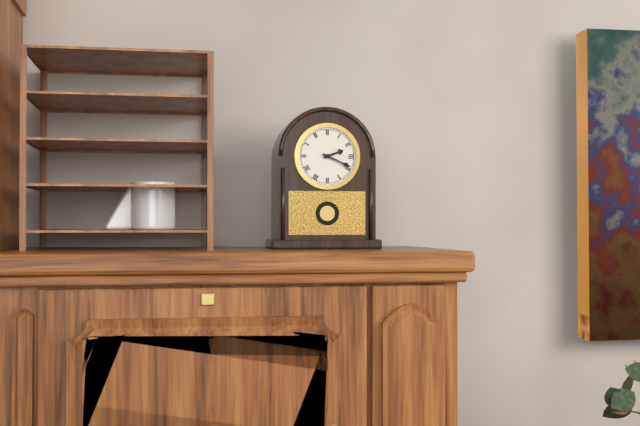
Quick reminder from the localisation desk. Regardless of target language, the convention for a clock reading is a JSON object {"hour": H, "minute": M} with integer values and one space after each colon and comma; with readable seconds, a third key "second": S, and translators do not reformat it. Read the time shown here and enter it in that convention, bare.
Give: {"hour": 2, "minute": 19}
